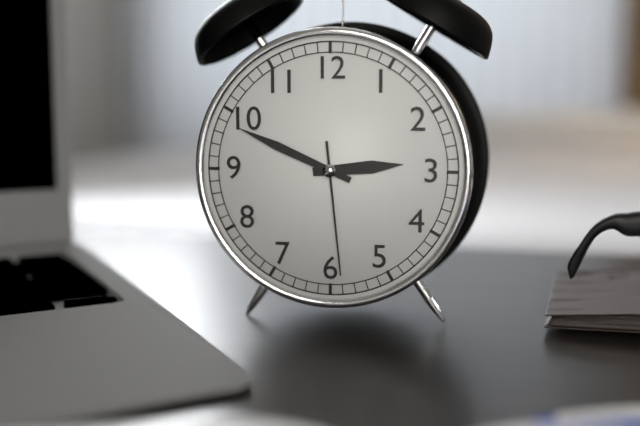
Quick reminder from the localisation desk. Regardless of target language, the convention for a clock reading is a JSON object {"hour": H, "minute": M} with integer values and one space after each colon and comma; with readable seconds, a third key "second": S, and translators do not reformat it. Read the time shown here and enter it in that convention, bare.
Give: {"hour": 2, "minute": 49, "second": 29}
